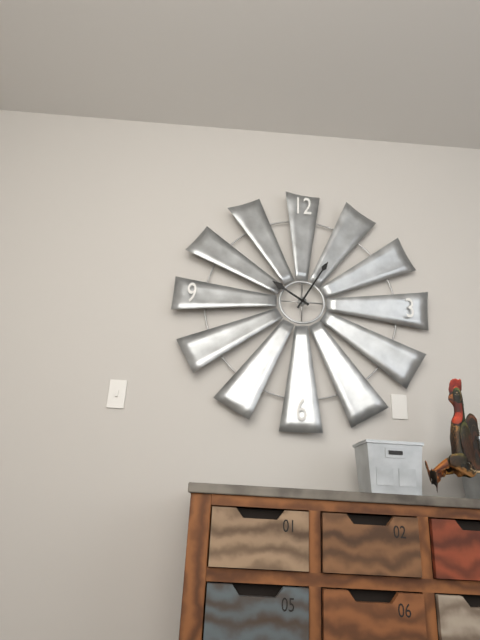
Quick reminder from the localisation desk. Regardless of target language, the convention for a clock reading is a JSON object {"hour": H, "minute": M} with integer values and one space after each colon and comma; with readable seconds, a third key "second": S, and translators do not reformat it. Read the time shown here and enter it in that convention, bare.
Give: {"hour": 10, "minute": 5}
